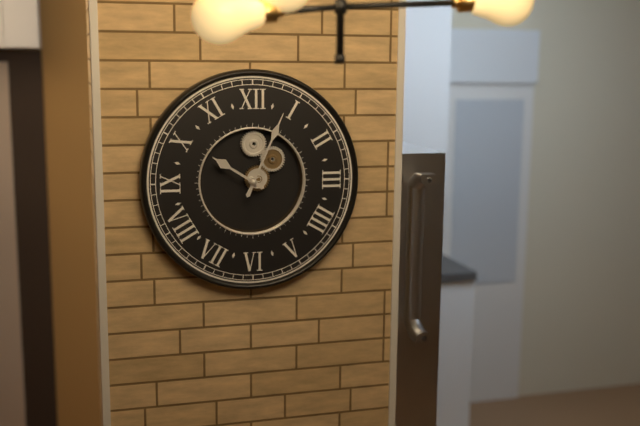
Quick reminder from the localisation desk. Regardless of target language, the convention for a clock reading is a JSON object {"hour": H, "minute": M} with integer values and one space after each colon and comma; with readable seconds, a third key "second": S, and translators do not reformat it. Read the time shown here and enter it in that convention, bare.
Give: {"hour": 10, "minute": 4}
